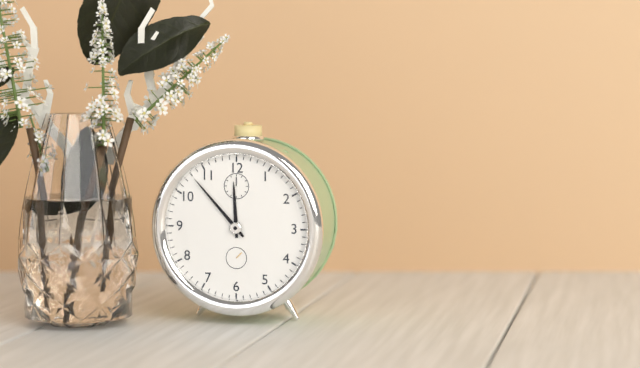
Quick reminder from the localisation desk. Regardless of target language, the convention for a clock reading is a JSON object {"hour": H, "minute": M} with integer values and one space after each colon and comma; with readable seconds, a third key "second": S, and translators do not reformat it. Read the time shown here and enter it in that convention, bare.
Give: {"hour": 11, "minute": 53}
